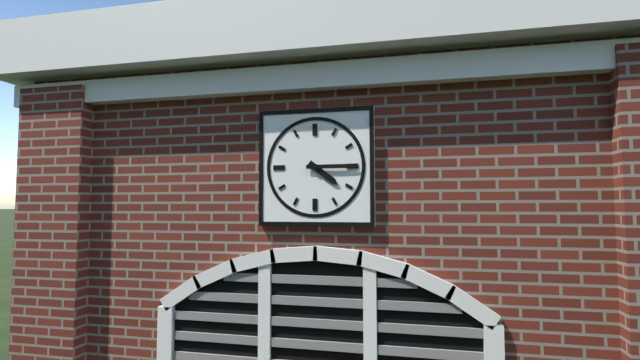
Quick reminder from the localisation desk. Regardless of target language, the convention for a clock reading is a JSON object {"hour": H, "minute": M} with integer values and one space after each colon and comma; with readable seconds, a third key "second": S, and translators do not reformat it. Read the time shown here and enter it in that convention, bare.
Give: {"hour": 4, "minute": 15}
